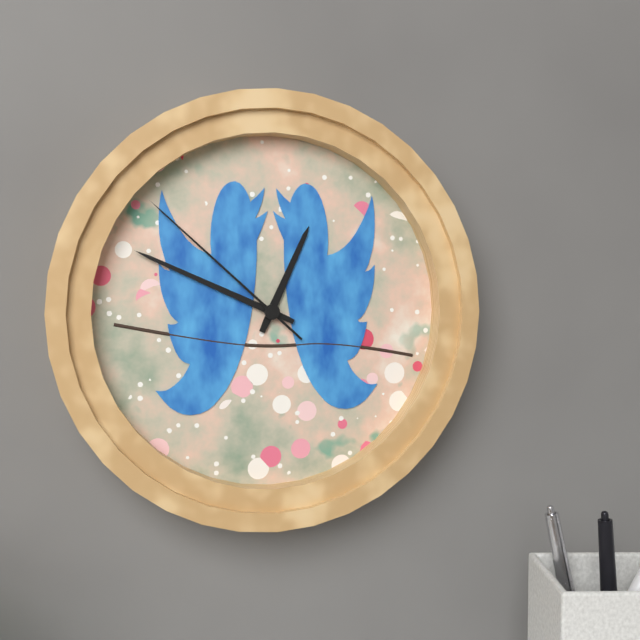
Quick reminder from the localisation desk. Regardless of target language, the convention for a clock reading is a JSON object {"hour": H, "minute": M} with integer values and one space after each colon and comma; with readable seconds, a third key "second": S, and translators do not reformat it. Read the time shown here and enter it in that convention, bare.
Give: {"hour": 12, "minute": 49, "second": 52}
